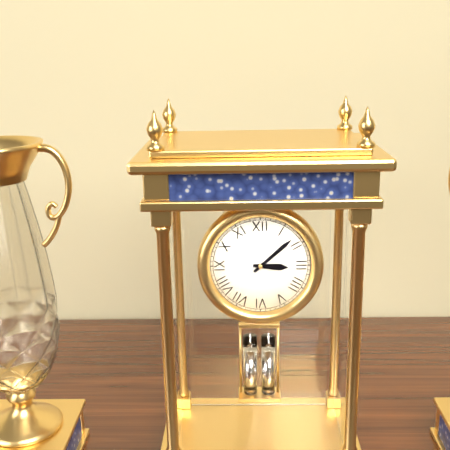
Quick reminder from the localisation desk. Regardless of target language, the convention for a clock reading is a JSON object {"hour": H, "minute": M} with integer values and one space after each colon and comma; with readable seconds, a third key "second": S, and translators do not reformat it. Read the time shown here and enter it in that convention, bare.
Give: {"hour": 3, "minute": 8}
